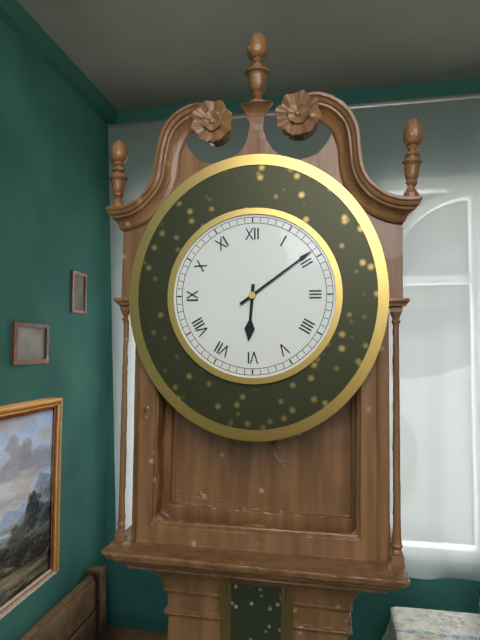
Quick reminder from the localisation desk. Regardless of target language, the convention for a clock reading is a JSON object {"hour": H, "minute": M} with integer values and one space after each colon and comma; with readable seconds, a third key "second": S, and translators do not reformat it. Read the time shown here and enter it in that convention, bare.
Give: {"hour": 6, "minute": 9}
